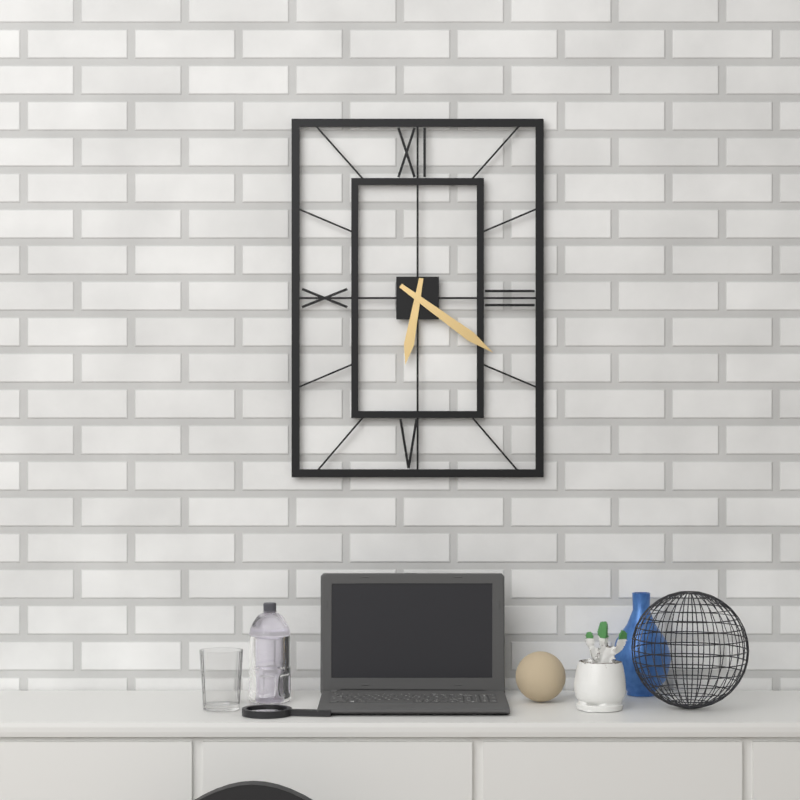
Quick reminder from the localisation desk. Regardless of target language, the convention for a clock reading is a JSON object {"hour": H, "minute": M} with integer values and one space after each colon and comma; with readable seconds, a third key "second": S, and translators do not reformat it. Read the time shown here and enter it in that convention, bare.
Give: {"hour": 6, "minute": 21}
